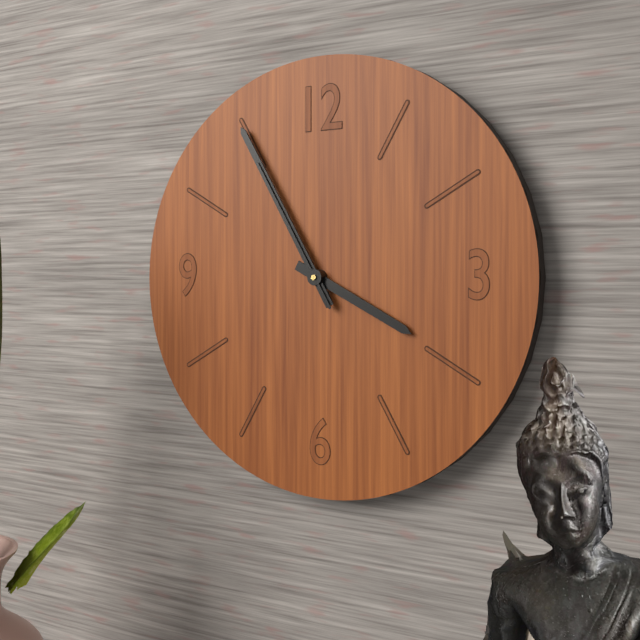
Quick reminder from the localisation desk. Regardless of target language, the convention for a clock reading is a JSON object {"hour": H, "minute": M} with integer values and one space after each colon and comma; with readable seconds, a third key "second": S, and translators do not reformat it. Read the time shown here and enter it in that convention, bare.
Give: {"hour": 3, "minute": 55, "second": 55}
